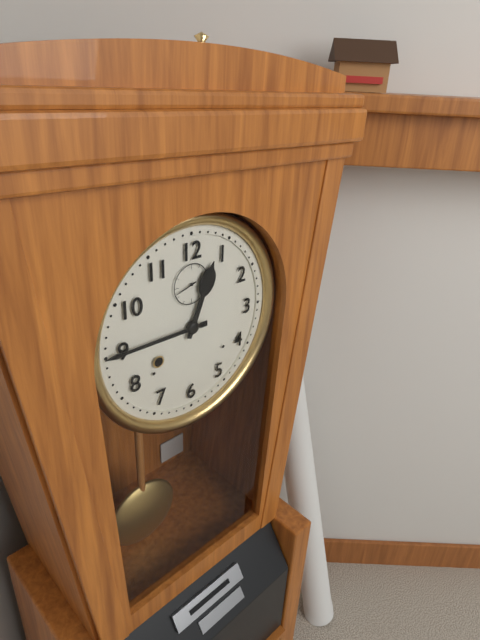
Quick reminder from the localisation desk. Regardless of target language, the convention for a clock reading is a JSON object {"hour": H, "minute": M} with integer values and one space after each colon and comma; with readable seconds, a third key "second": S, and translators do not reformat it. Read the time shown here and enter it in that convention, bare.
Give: {"hour": 12, "minute": 45}
